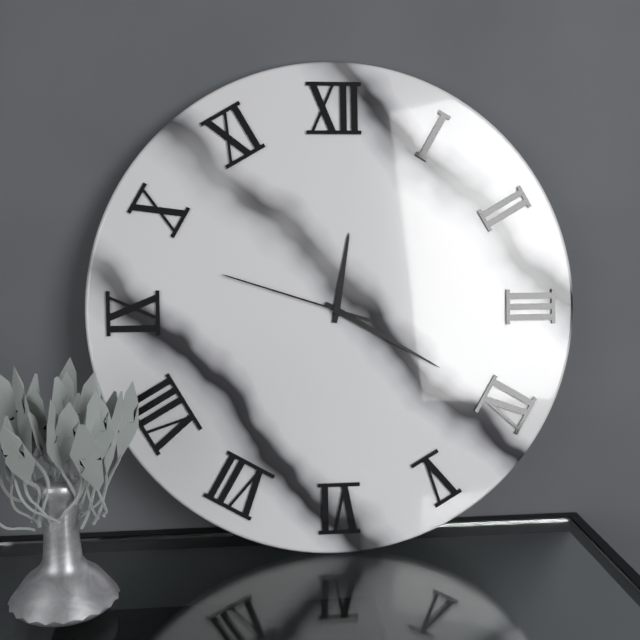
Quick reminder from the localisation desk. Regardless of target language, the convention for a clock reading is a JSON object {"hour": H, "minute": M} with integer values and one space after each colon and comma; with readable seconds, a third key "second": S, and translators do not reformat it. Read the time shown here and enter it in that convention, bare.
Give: {"hour": 12, "minute": 20, "second": 48}
